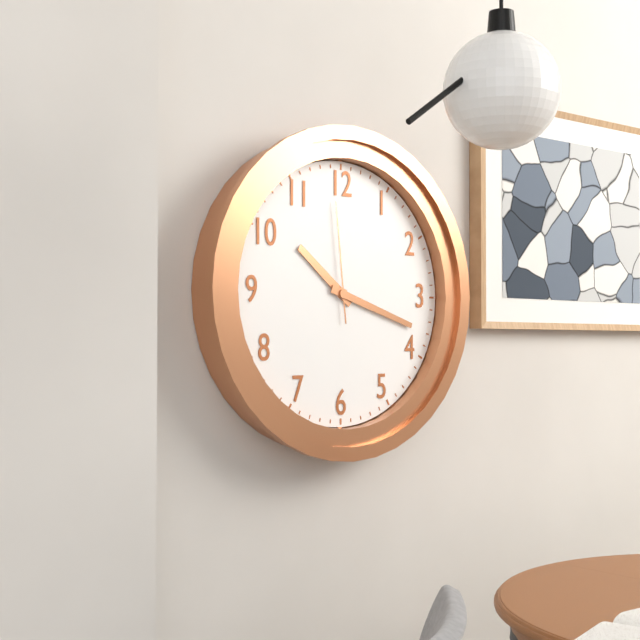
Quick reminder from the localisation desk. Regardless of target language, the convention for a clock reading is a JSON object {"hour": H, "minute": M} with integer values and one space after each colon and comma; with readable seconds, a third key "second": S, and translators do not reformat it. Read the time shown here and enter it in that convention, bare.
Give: {"hour": 10, "minute": 18, "second": 59}
